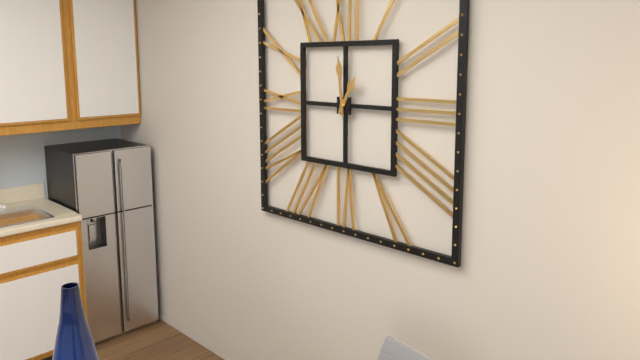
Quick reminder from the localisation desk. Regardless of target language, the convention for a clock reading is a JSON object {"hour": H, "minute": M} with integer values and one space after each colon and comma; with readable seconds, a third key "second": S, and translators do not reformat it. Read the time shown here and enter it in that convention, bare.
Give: {"hour": 12, "minute": 59}
